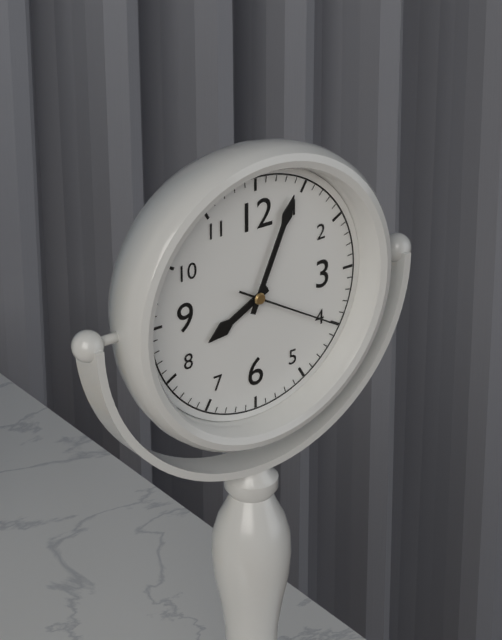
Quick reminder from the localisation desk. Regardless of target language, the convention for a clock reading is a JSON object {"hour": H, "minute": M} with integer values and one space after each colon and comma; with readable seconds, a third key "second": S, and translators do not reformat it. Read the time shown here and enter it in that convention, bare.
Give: {"hour": 8, "minute": 4, "second": 20}
